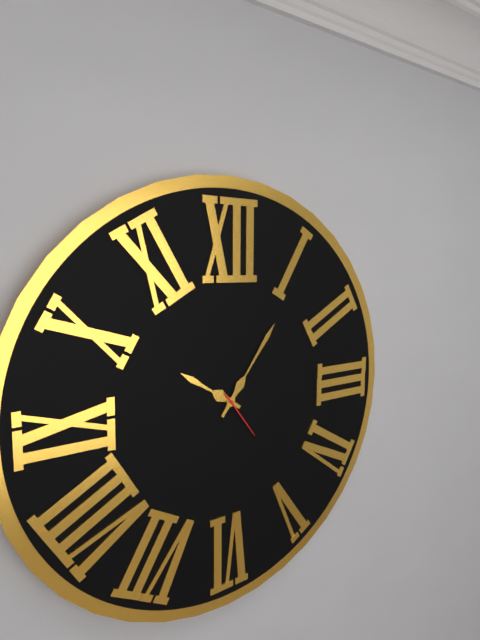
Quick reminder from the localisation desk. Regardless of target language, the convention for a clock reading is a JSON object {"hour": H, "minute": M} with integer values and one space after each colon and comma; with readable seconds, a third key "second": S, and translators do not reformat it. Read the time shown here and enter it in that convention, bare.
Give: {"hour": 10, "minute": 6, "second": 24}
